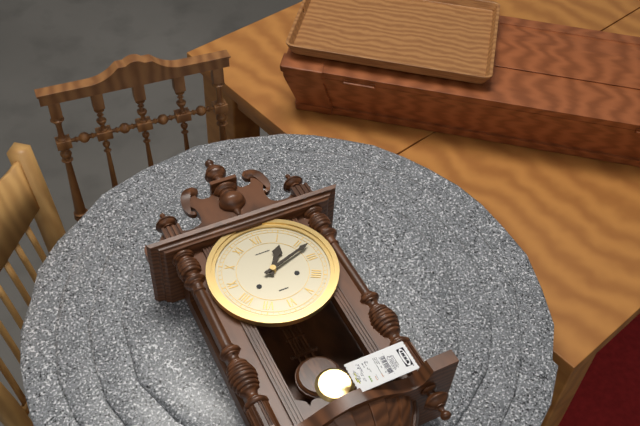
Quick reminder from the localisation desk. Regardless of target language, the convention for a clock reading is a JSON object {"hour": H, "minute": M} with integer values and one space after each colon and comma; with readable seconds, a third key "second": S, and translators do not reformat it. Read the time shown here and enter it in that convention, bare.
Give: {"hour": 1, "minute": 12}
